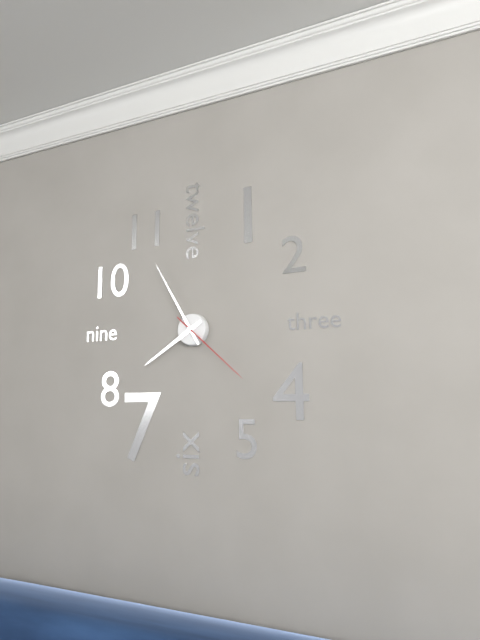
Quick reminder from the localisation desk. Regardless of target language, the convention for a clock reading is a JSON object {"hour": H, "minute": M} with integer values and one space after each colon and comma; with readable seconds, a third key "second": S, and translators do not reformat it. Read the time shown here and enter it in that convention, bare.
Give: {"hour": 7, "minute": 55, "second": 22}
